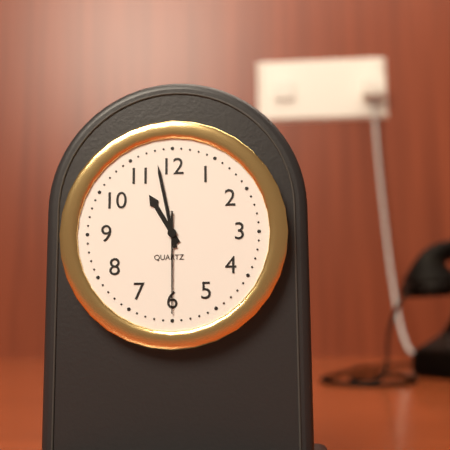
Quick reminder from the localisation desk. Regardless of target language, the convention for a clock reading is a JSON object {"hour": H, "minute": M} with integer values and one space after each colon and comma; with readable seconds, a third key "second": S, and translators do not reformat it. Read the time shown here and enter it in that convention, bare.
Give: {"hour": 10, "minute": 58, "second": 30}
